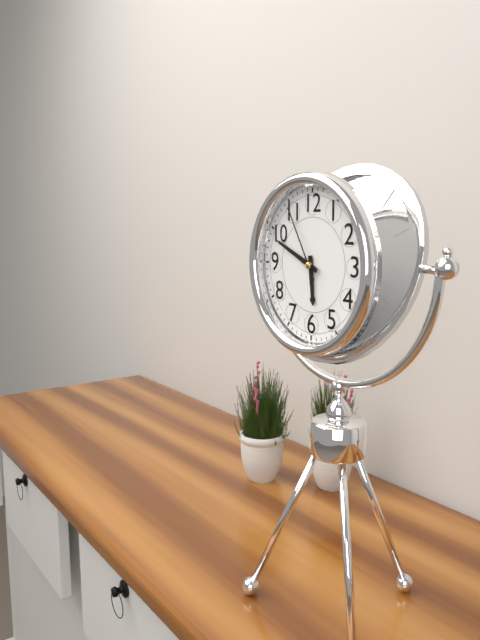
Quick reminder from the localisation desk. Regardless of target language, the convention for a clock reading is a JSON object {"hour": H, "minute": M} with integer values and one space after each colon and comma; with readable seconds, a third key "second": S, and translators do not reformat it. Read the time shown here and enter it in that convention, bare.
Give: {"hour": 5, "minute": 49, "second": 55}
